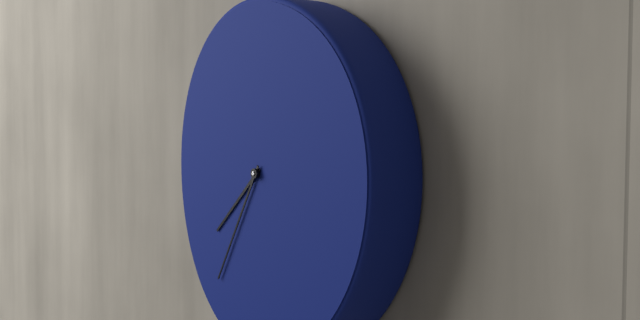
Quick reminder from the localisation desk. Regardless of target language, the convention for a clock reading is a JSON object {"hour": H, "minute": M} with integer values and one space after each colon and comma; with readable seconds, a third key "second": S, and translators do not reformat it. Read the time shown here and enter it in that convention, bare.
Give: {"hour": 7, "minute": 35}
